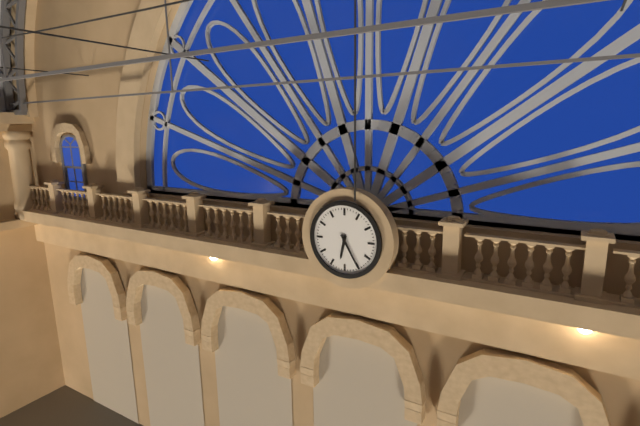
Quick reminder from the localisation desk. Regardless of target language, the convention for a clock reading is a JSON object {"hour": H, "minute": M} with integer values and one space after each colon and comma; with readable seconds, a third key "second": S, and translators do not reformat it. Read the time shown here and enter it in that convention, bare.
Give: {"hour": 6, "minute": 25}
